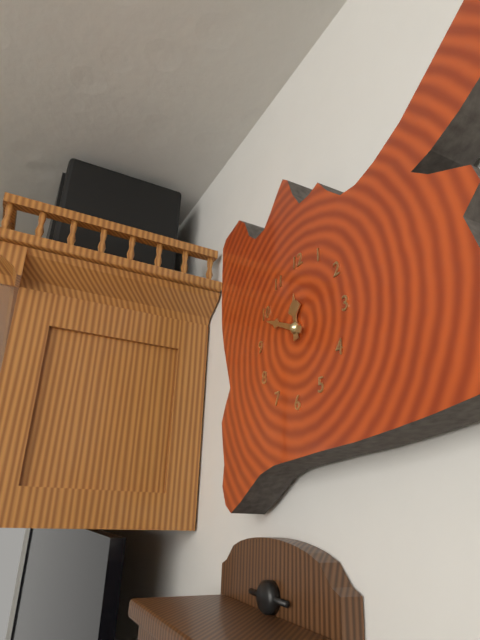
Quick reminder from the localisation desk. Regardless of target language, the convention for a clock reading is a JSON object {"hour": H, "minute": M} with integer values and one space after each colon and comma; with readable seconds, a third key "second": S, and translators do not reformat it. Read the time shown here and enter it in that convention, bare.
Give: {"hour": 11, "minute": 49}
